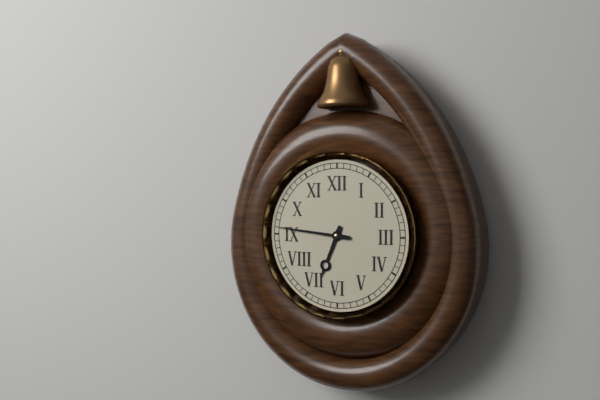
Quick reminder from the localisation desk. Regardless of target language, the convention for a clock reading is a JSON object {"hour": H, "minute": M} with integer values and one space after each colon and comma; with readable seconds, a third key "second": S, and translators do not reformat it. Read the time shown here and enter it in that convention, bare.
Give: {"hour": 6, "minute": 46}
